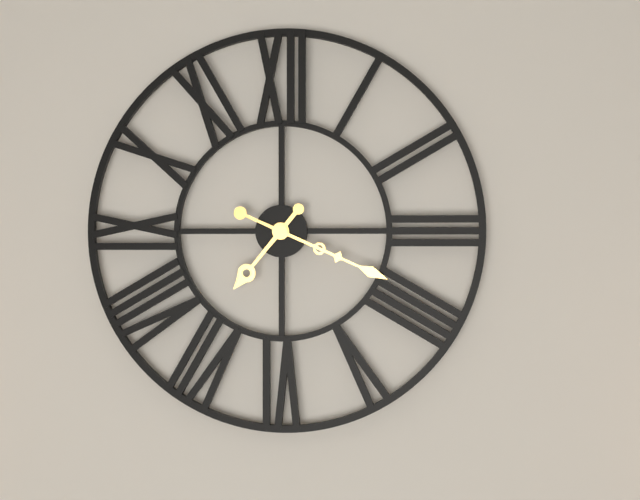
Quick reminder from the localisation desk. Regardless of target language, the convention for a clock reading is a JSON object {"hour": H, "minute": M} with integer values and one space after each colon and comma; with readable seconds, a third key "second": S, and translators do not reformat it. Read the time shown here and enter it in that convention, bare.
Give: {"hour": 7, "minute": 19}
